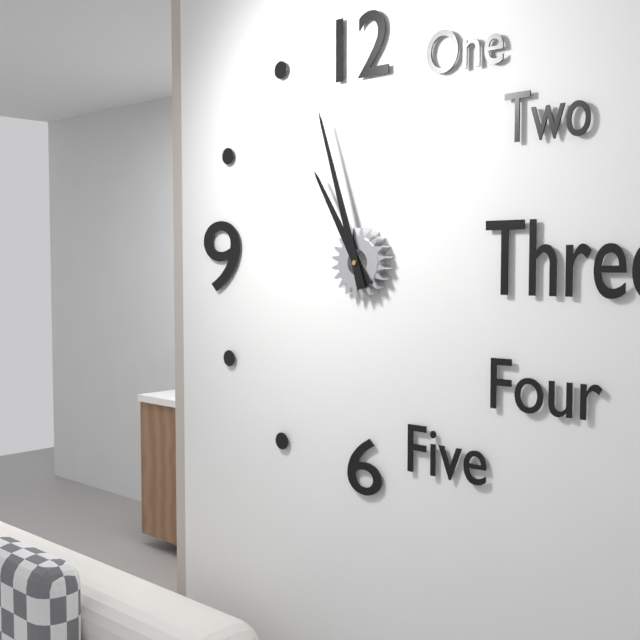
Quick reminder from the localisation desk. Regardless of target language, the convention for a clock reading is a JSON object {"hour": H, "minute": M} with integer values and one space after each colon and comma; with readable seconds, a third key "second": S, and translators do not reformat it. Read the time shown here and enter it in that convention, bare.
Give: {"hour": 10, "minute": 57}
